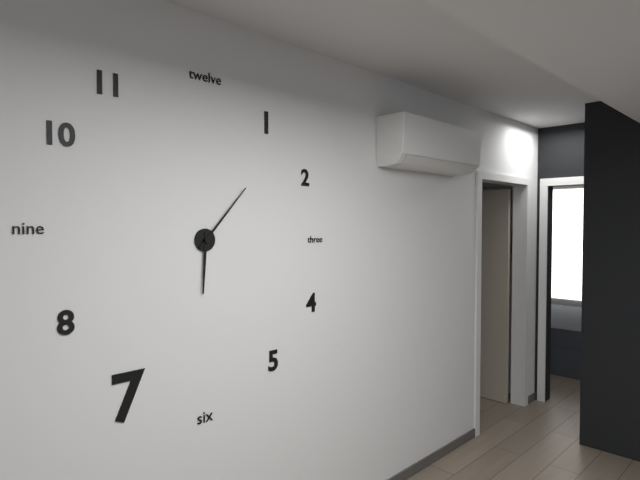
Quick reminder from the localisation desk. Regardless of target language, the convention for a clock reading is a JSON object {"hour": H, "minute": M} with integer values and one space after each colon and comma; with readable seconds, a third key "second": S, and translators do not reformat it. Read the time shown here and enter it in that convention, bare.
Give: {"hour": 6, "minute": 7}
